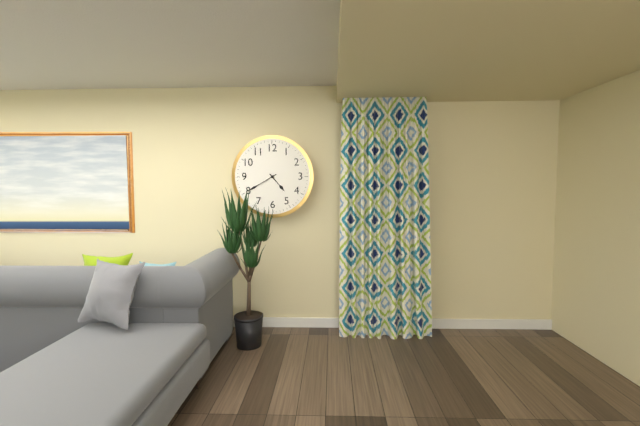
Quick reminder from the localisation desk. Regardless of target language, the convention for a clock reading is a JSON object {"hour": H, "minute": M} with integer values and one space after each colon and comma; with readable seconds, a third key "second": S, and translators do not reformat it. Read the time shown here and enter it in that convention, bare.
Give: {"hour": 4, "minute": 40}
